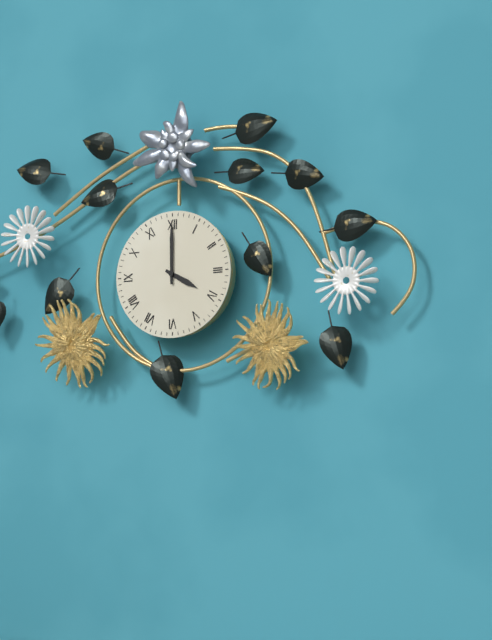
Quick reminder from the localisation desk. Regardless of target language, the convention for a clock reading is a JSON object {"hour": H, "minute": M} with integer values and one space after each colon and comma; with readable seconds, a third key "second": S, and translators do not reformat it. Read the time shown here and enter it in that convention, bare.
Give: {"hour": 4, "minute": 0}
